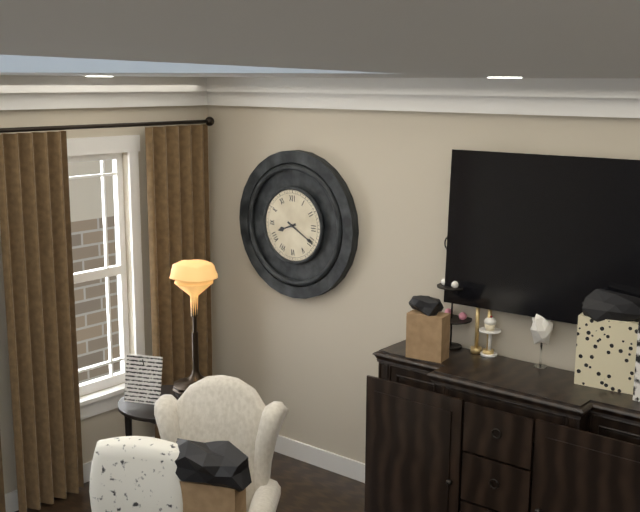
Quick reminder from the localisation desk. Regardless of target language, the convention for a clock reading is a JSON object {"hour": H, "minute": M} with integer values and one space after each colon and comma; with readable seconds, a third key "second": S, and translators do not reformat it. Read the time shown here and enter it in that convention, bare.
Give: {"hour": 8, "minute": 20}
